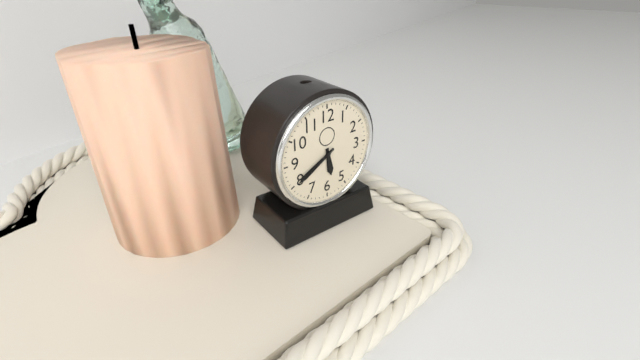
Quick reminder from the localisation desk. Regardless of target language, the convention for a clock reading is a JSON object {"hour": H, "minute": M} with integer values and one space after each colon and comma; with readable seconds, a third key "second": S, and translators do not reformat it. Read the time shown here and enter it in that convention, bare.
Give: {"hour": 5, "minute": 40}
